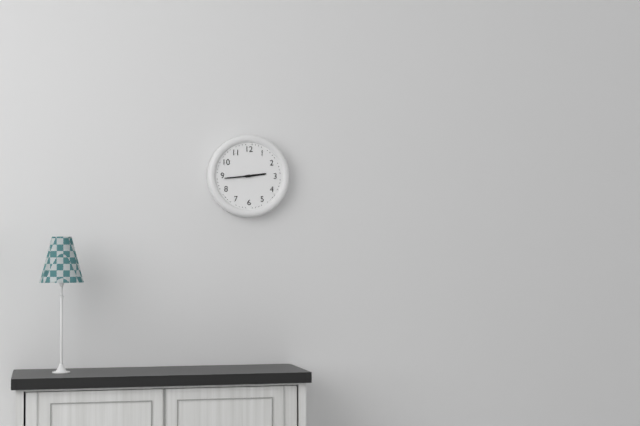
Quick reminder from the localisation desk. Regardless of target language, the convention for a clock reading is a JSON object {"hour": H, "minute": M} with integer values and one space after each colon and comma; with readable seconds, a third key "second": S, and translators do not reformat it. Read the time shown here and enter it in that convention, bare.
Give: {"hour": 2, "minute": 44}
